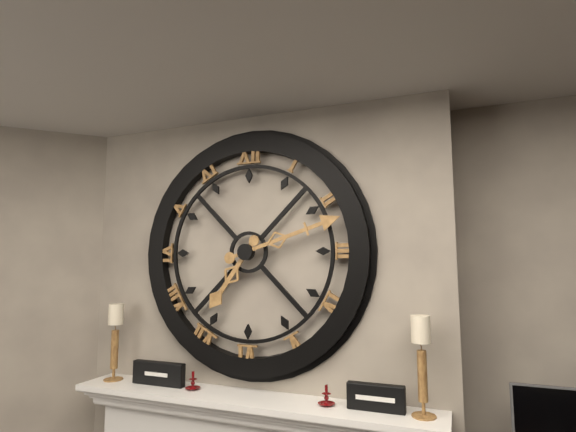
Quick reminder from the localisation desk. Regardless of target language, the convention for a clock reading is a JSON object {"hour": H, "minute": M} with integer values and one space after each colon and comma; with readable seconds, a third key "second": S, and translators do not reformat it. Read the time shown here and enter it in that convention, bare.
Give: {"hour": 7, "minute": 12}
